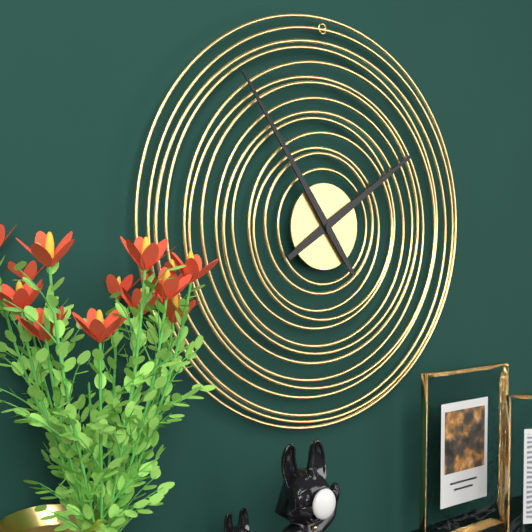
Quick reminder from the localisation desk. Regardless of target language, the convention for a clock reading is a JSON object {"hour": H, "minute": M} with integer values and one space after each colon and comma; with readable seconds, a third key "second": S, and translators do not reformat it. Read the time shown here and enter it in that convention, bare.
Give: {"hour": 1, "minute": 54}
